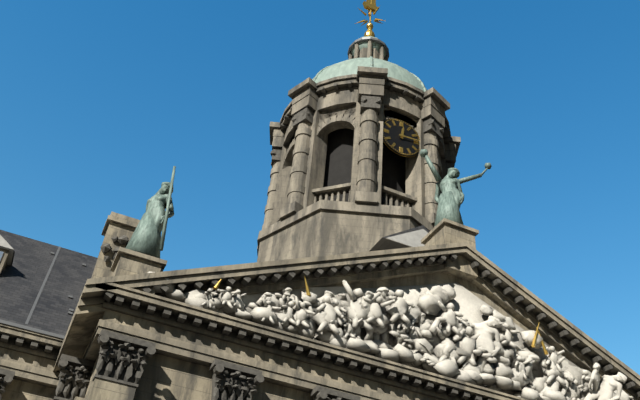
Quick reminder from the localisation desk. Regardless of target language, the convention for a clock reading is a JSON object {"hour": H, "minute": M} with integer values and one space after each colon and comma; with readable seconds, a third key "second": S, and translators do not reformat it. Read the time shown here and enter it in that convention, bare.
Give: {"hour": 12, "minute": 14}
